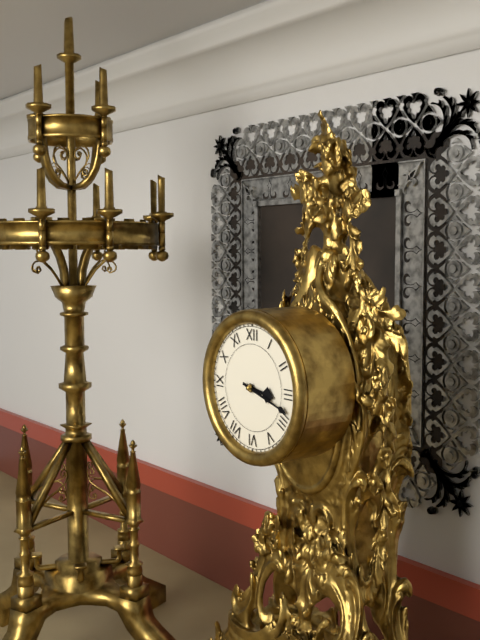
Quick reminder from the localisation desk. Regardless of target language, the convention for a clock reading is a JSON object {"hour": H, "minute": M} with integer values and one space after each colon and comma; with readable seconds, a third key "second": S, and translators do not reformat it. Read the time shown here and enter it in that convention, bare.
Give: {"hour": 3, "minute": 18}
